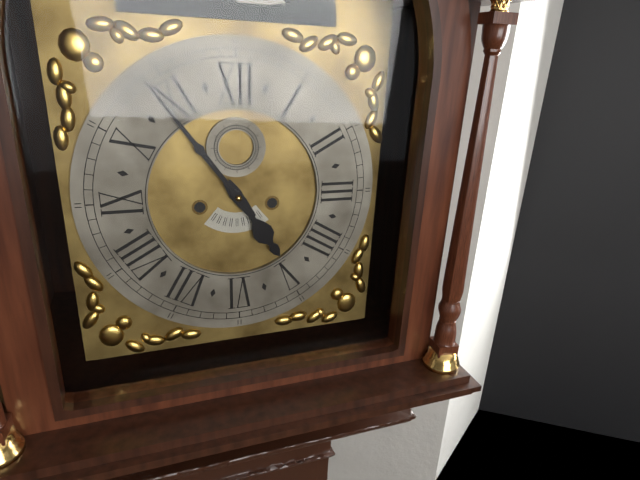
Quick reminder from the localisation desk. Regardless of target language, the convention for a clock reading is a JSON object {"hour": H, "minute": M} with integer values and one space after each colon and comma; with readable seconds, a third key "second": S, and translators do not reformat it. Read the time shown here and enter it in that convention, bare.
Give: {"hour": 4, "minute": 54}
